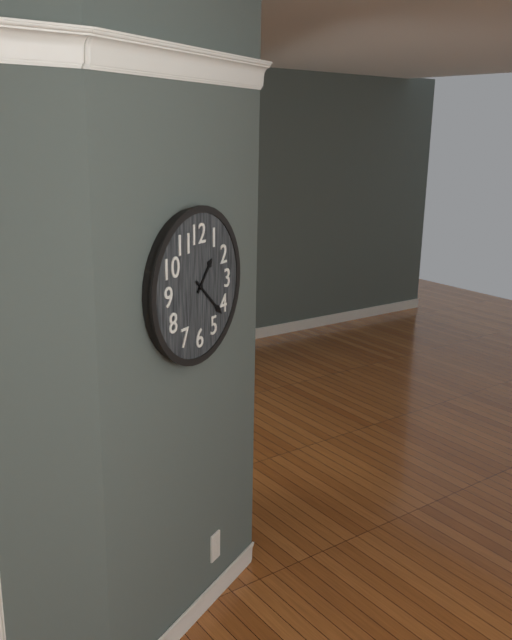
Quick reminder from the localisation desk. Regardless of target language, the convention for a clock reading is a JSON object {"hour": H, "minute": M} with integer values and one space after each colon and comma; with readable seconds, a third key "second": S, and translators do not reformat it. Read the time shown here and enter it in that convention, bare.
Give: {"hour": 1, "minute": 22}
